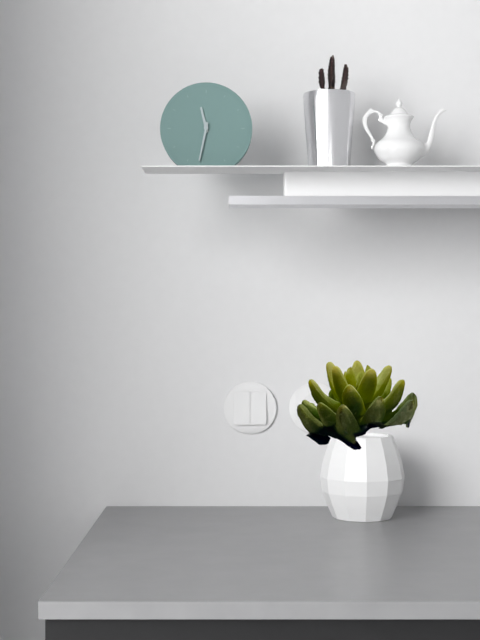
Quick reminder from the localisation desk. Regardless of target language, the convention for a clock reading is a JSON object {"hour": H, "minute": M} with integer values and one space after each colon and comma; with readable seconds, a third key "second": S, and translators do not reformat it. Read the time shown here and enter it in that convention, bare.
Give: {"hour": 11, "minute": 32}
